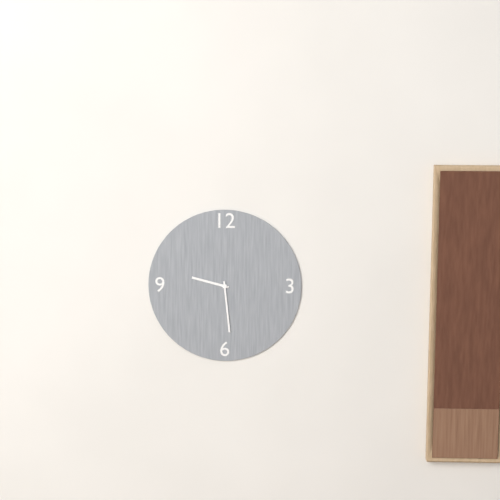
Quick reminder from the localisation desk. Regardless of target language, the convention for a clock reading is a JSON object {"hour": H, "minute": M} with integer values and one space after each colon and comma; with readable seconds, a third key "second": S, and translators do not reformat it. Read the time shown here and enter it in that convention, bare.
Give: {"hour": 9, "minute": 29}
